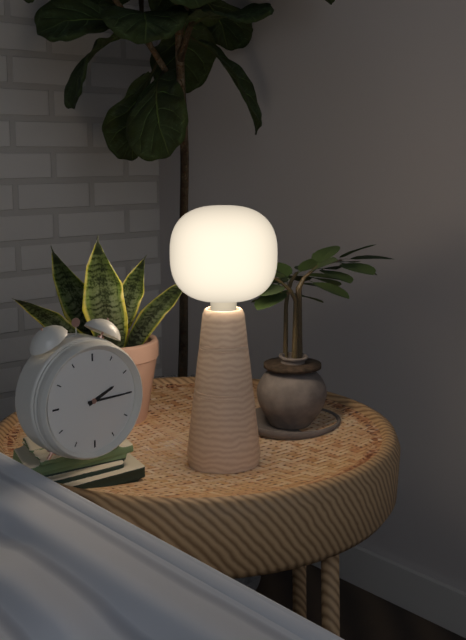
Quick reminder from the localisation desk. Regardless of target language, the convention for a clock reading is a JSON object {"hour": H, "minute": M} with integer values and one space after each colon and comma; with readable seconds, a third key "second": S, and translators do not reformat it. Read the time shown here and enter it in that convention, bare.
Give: {"hour": 2, "minute": 15}
